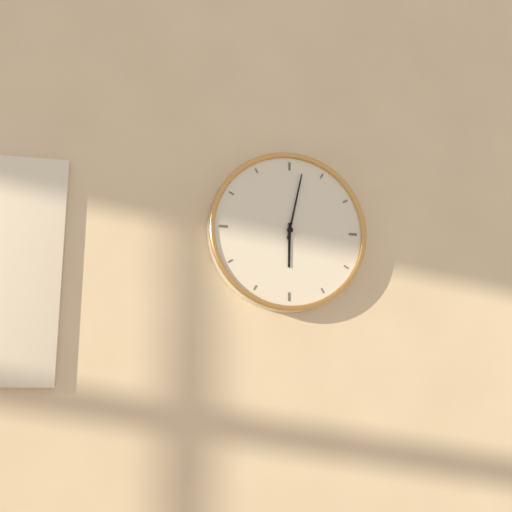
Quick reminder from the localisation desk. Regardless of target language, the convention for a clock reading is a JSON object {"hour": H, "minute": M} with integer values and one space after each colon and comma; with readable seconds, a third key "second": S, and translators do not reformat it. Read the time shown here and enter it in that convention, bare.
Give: {"hour": 6, "minute": 2}
